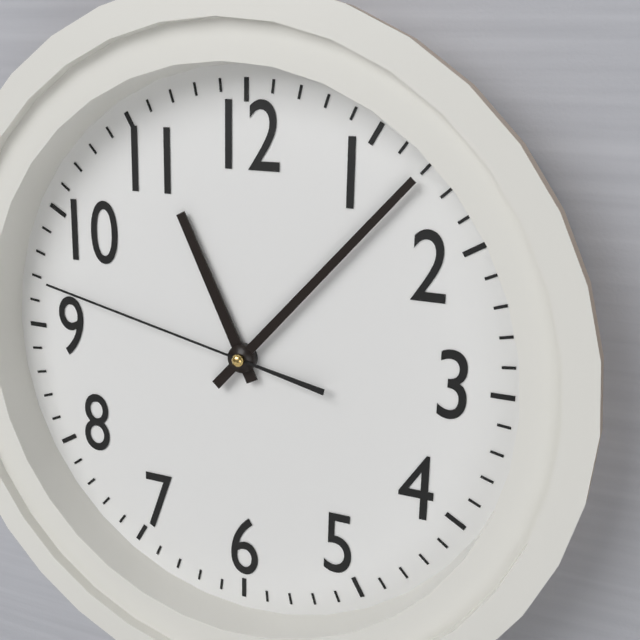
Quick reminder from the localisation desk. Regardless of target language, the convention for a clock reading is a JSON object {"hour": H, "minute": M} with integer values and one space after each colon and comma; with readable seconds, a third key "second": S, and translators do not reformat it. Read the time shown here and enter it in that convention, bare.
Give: {"hour": 11, "minute": 7, "second": 47}
